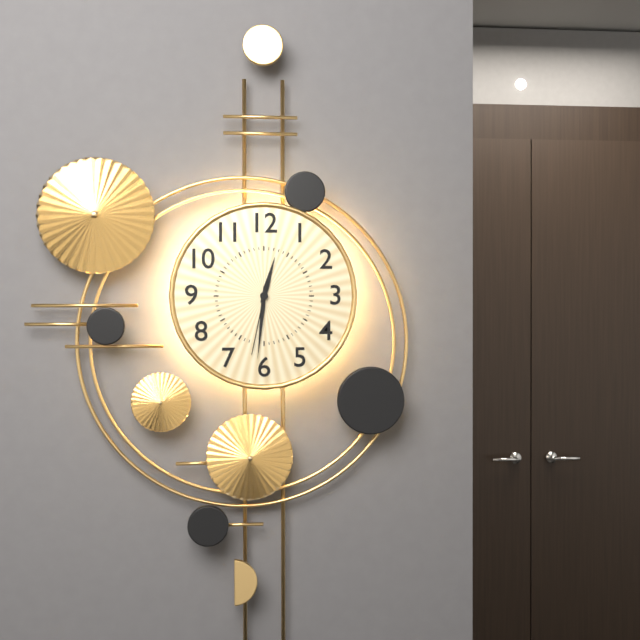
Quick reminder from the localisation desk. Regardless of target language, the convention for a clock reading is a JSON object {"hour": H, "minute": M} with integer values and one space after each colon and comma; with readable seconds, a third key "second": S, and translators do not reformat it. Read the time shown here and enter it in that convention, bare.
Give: {"hour": 12, "minute": 31, "second": 32}
